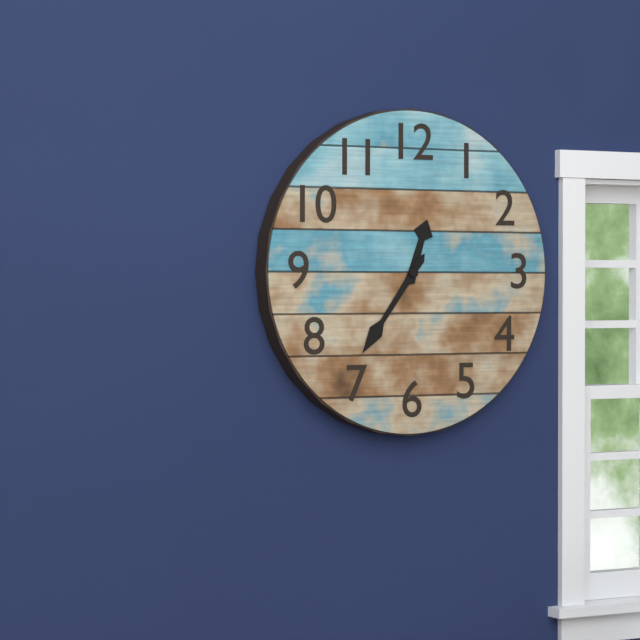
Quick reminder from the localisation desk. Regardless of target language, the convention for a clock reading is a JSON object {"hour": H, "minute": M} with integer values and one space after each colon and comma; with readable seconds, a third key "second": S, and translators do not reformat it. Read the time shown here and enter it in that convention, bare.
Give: {"hour": 12, "minute": 36}
